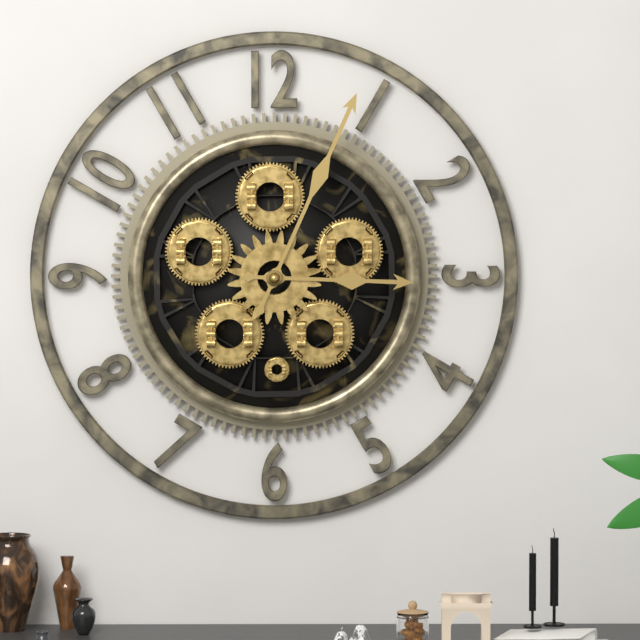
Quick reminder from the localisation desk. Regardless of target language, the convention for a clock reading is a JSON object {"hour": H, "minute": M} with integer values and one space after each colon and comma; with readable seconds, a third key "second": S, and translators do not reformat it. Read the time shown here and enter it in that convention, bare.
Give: {"hour": 3, "minute": 4}
